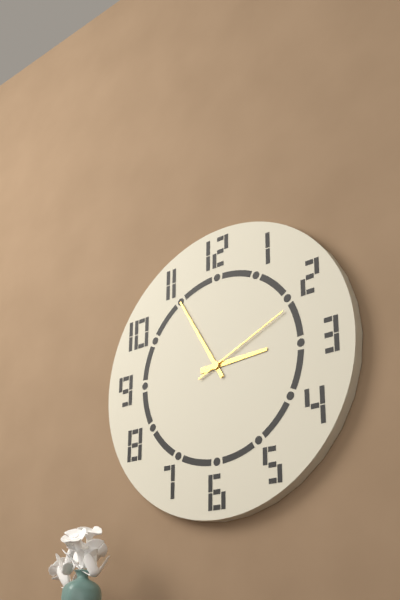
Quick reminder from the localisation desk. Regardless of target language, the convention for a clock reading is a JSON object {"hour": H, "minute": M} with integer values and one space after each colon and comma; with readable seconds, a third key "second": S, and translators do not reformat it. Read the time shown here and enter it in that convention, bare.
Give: {"hour": 2, "minute": 55, "second": 11}
